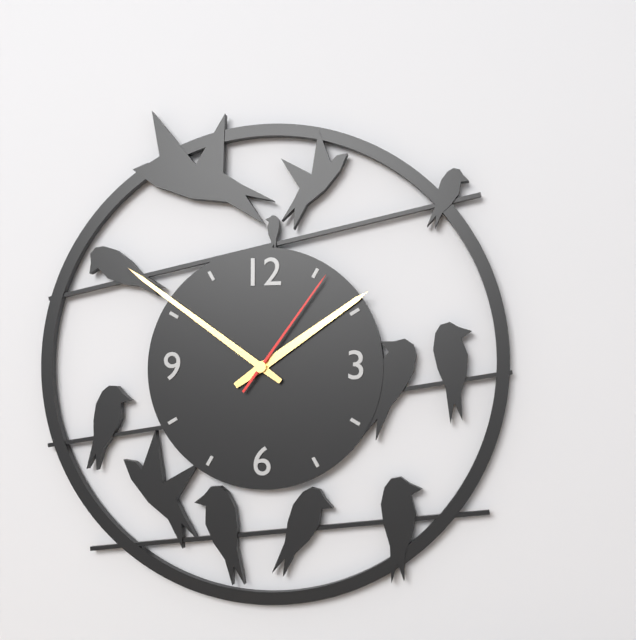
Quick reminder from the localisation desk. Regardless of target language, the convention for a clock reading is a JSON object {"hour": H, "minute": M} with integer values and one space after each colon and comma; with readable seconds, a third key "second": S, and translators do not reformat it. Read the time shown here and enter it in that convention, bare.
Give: {"hour": 1, "minute": 51, "second": 6}
